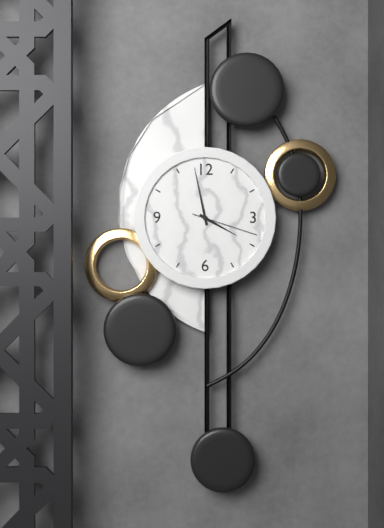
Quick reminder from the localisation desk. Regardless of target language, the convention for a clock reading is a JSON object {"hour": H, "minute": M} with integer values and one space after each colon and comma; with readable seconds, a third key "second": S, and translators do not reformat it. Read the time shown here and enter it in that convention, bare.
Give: {"hour": 3, "minute": 58, "second": 18}
